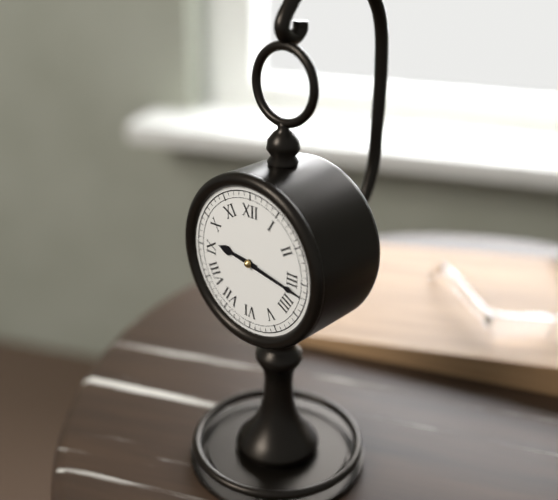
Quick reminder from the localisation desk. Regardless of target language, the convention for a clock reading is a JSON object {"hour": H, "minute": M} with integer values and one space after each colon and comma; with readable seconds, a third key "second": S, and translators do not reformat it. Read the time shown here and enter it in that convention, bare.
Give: {"hour": 9, "minute": 17}
